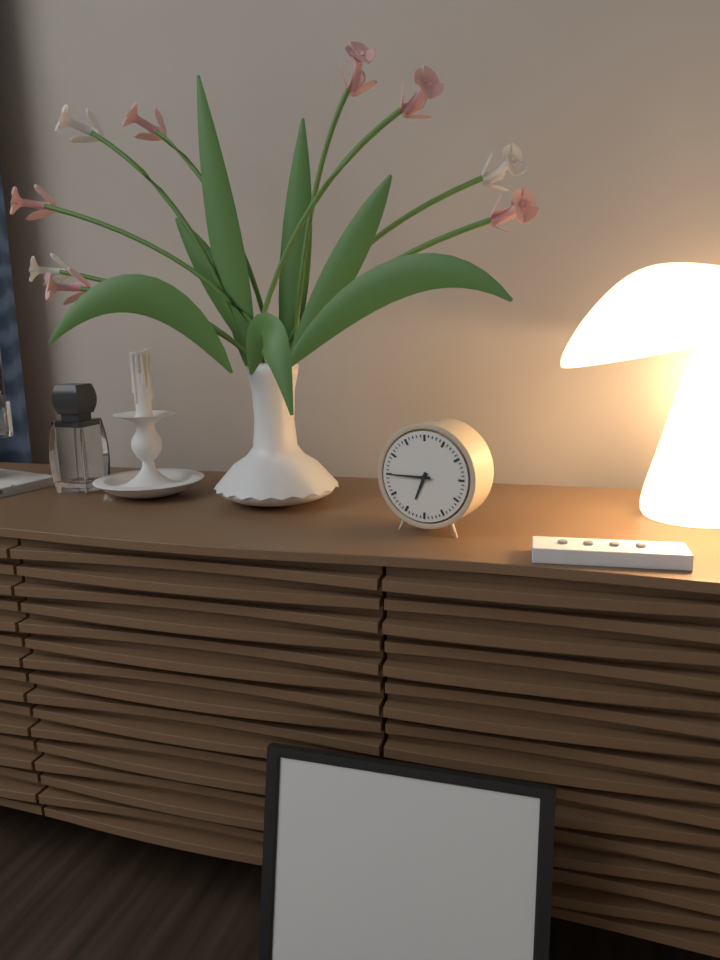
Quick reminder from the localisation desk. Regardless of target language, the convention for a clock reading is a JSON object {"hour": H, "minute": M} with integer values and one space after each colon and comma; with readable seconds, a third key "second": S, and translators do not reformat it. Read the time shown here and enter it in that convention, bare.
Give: {"hour": 6, "minute": 45}
